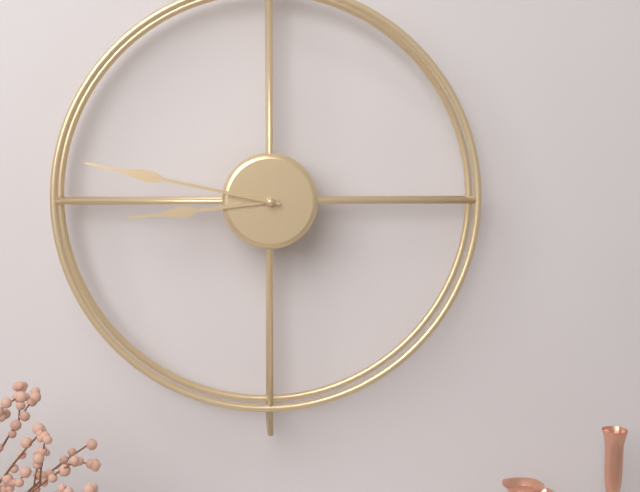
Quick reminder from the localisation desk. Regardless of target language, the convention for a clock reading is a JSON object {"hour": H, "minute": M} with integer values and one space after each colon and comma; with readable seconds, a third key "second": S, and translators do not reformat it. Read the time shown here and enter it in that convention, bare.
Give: {"hour": 8, "minute": 47}
